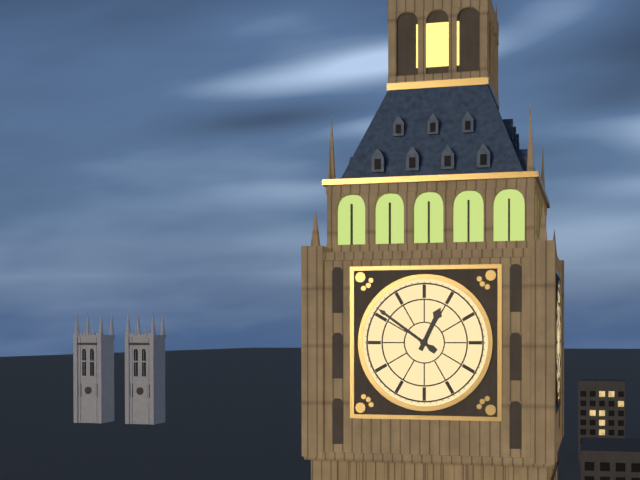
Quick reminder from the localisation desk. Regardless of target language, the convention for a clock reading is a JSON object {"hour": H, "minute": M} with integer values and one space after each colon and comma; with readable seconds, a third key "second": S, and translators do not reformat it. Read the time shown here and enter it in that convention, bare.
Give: {"hour": 12, "minute": 51}
